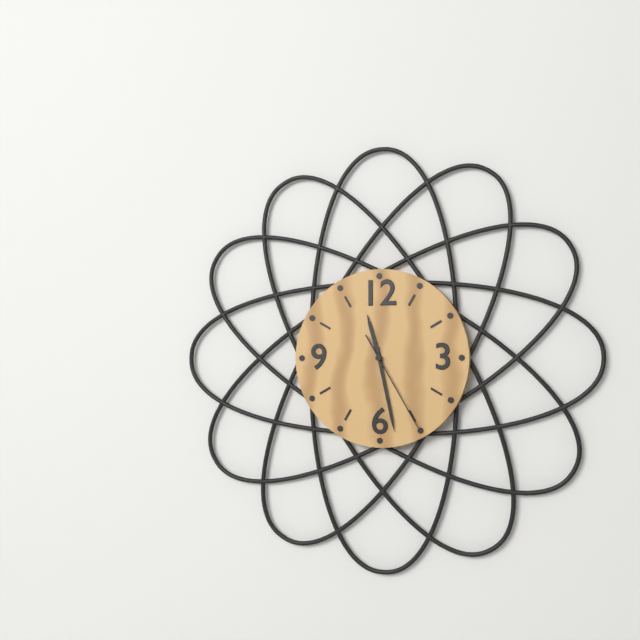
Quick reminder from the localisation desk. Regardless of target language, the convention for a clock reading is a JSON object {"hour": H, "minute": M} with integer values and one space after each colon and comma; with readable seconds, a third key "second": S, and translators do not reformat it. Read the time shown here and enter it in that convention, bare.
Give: {"hour": 11, "minute": 28, "second": 25}
